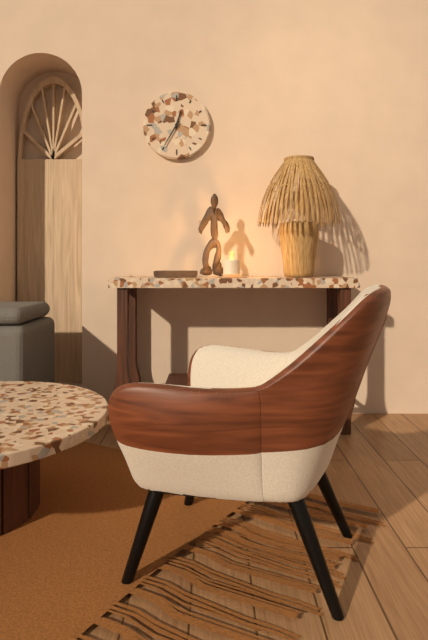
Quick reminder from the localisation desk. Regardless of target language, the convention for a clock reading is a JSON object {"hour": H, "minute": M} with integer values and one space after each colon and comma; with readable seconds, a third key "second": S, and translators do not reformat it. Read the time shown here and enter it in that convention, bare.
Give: {"hour": 12, "minute": 35}
